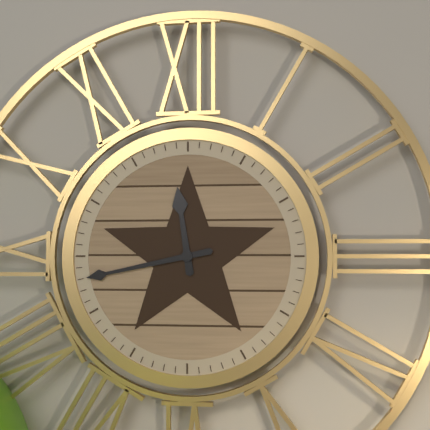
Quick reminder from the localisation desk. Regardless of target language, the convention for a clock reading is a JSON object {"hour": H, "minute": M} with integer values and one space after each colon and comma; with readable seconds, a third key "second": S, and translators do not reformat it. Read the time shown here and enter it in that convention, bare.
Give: {"hour": 11, "minute": 43}
